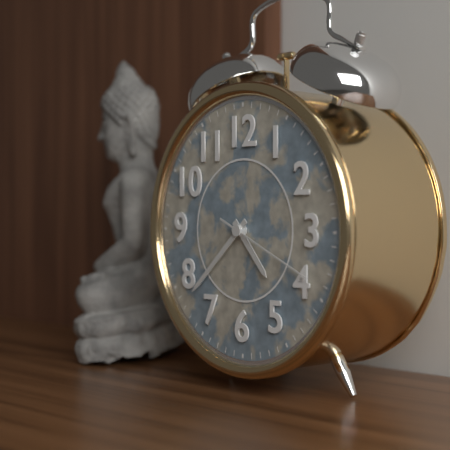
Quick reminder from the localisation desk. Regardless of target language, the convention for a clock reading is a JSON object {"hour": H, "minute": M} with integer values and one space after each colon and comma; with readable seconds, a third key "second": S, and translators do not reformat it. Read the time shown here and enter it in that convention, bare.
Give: {"hour": 4, "minute": 38, "second": 19}
